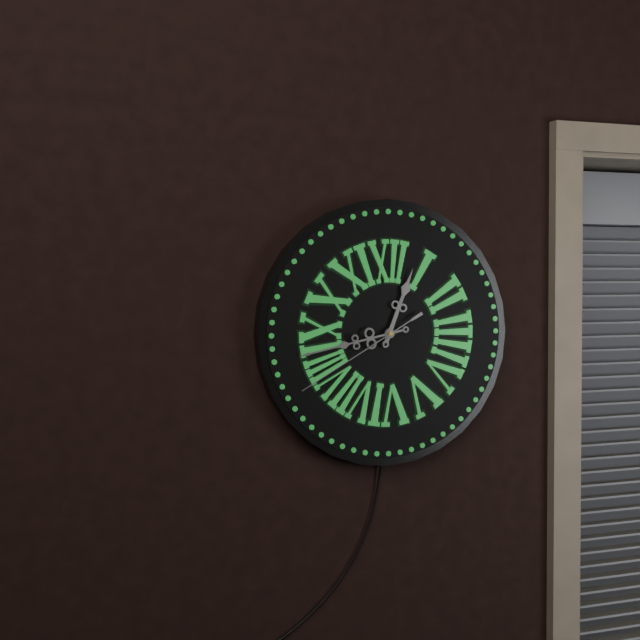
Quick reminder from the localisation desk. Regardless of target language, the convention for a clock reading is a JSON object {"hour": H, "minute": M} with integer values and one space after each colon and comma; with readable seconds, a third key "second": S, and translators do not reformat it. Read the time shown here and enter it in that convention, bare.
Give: {"hour": 12, "minute": 43, "second": 40}
